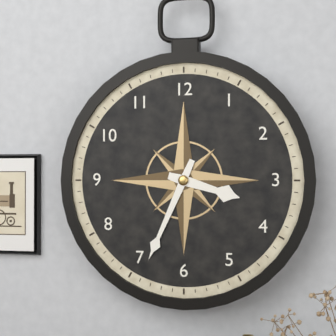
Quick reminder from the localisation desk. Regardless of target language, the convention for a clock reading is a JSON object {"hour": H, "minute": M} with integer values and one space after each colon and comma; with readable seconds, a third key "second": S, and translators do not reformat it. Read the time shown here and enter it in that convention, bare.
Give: {"hour": 3, "minute": 34}
